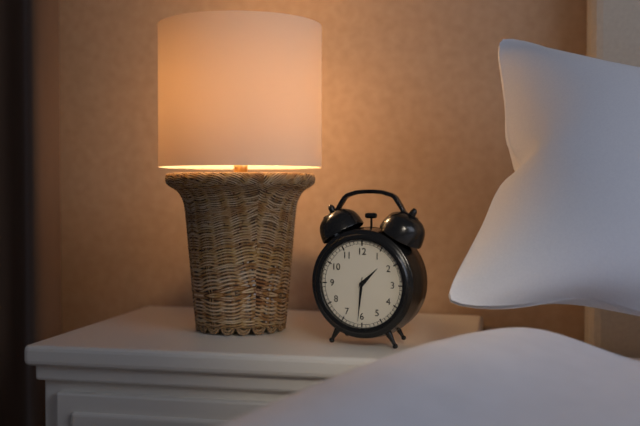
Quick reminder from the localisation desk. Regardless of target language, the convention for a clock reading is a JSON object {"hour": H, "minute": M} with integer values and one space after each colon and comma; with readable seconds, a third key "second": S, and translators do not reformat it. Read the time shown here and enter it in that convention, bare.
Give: {"hour": 1, "minute": 31}
